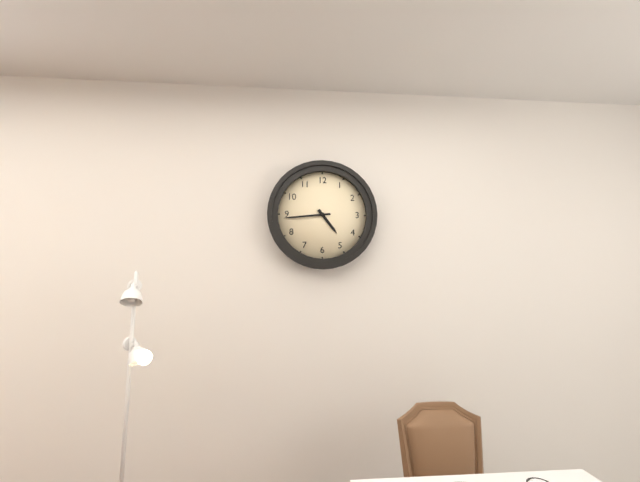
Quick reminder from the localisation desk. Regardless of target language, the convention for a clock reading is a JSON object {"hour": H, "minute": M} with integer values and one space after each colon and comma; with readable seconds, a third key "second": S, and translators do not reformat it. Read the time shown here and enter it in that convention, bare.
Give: {"hour": 4, "minute": 44}
